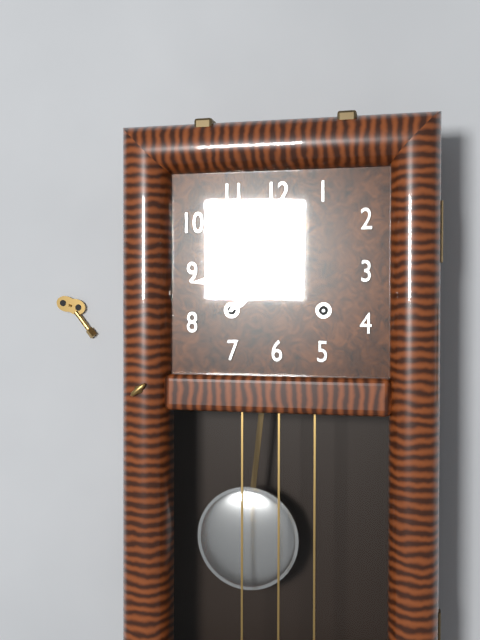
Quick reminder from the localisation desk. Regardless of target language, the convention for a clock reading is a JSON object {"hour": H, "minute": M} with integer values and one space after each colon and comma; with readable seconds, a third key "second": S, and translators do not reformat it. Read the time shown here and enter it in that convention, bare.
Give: {"hour": 7, "minute": 44}
